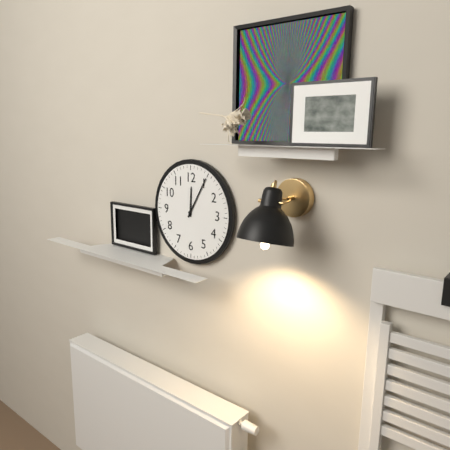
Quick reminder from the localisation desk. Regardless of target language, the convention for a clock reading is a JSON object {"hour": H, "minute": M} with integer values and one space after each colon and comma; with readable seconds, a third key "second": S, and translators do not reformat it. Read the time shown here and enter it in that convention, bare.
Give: {"hour": 12, "minute": 5}
